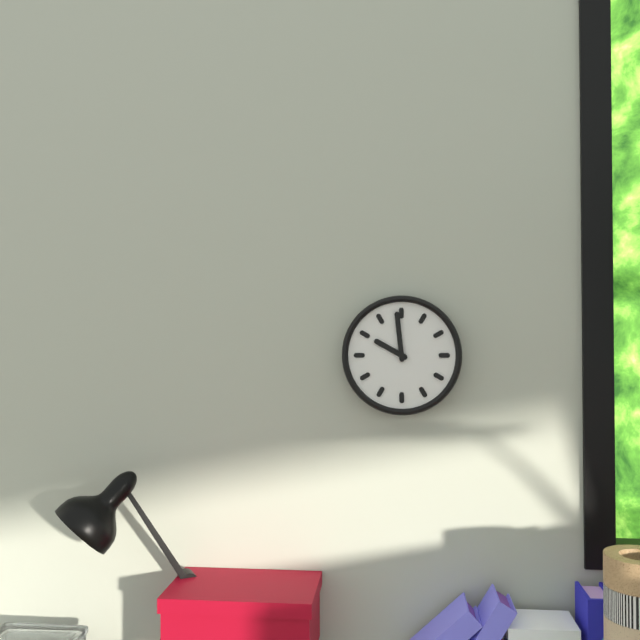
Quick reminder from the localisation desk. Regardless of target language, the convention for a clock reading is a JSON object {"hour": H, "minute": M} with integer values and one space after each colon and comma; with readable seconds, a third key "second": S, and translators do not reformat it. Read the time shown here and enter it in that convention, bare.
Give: {"hour": 9, "minute": 59}
